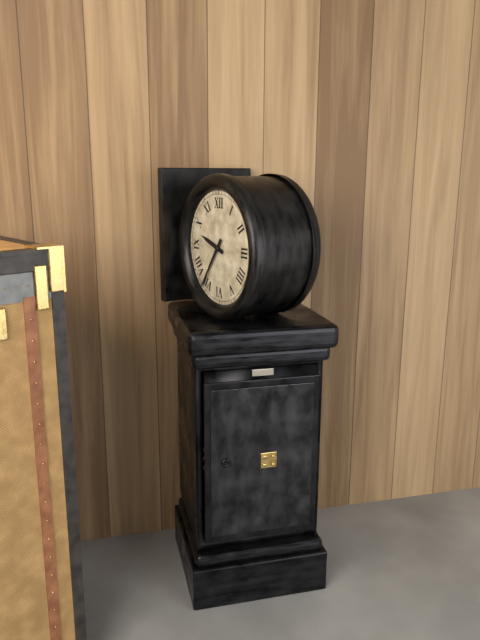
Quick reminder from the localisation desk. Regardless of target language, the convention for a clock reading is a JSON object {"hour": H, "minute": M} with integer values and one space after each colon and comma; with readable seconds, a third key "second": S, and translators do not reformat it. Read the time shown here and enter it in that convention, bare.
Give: {"hour": 9, "minute": 36}
